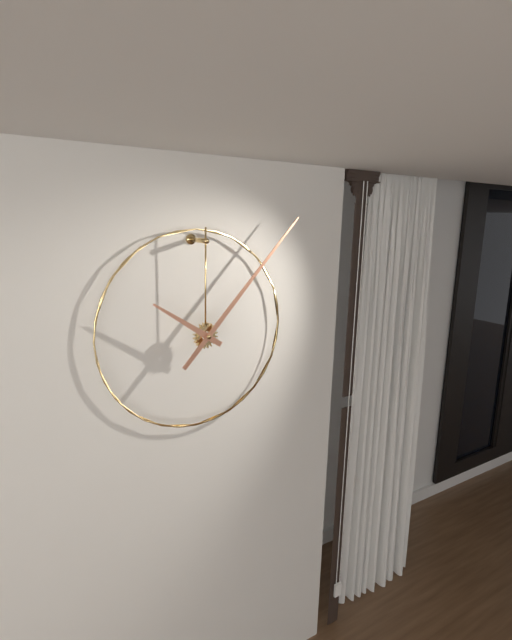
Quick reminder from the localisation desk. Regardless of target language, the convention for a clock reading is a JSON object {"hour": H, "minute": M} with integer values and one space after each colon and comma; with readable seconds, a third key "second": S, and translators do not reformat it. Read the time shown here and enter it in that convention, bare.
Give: {"hour": 10, "minute": 7}
